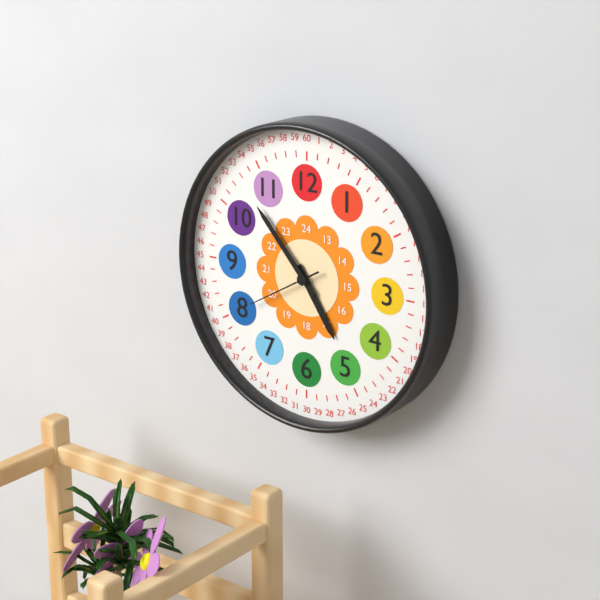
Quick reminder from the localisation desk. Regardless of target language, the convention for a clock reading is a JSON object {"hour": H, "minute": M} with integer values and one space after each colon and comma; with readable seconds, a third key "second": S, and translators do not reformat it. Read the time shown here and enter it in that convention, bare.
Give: {"hour": 4, "minute": 53, "second": 40}
